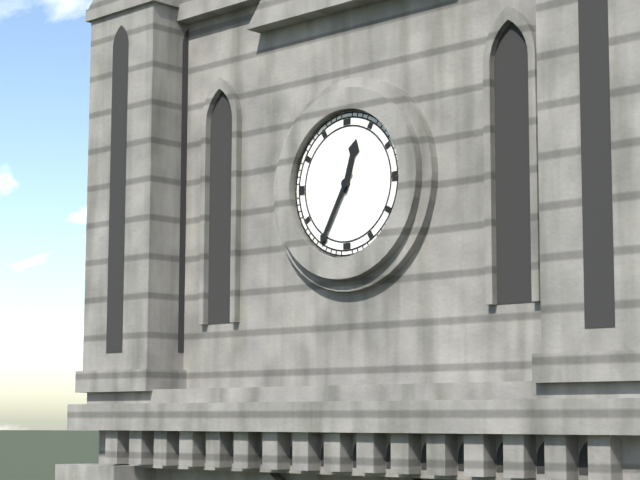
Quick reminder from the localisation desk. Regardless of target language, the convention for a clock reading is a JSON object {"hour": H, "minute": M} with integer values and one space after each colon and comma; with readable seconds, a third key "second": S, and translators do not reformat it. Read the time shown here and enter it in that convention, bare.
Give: {"hour": 12, "minute": 35}
